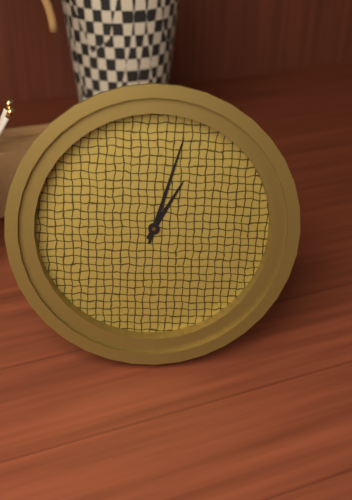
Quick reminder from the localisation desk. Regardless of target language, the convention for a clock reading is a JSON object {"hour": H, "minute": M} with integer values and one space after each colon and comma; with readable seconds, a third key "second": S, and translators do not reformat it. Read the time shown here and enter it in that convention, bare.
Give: {"hour": 1, "minute": 3}
